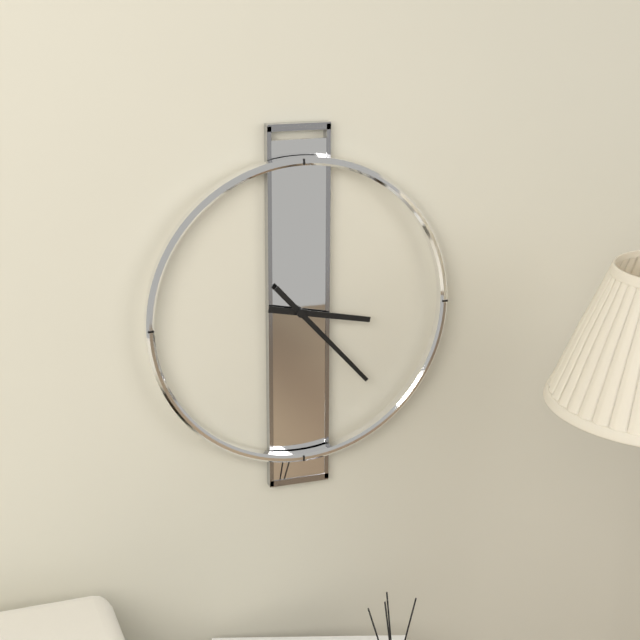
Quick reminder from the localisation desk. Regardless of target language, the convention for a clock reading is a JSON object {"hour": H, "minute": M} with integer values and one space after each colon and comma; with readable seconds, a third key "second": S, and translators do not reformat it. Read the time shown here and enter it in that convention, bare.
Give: {"hour": 3, "minute": 23}
